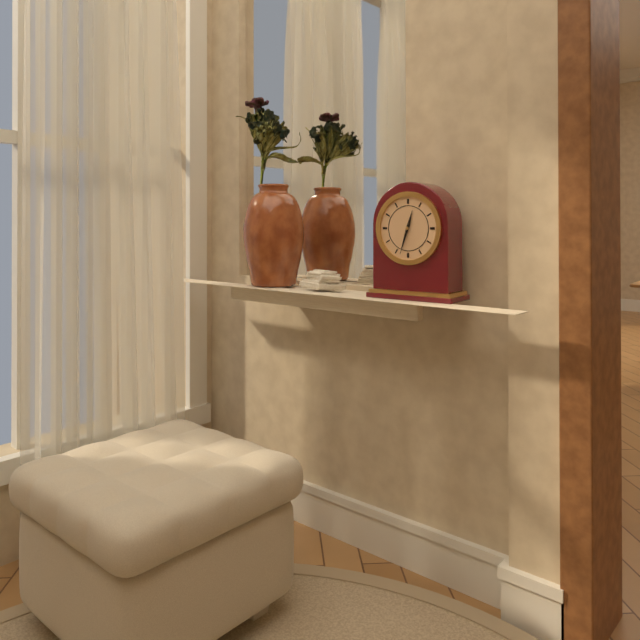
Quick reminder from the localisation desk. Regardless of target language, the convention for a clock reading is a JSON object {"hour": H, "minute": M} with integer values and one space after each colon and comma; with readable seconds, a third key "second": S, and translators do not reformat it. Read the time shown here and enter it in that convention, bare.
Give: {"hour": 12, "minute": 33}
